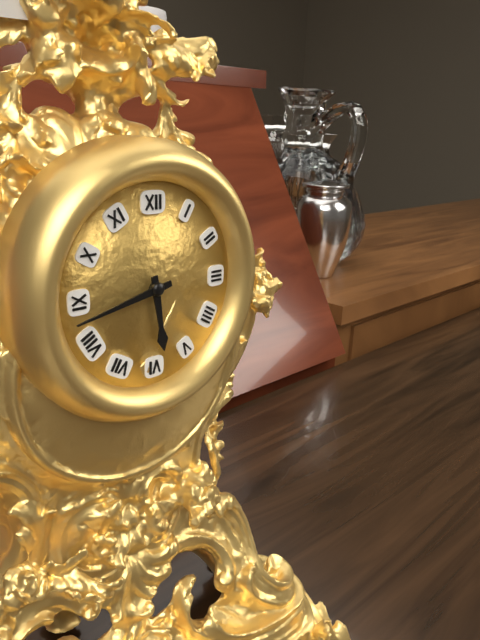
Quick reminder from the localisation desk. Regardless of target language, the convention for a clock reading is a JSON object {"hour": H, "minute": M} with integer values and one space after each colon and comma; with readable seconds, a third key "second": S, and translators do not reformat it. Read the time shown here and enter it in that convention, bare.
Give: {"hour": 5, "minute": 43}
